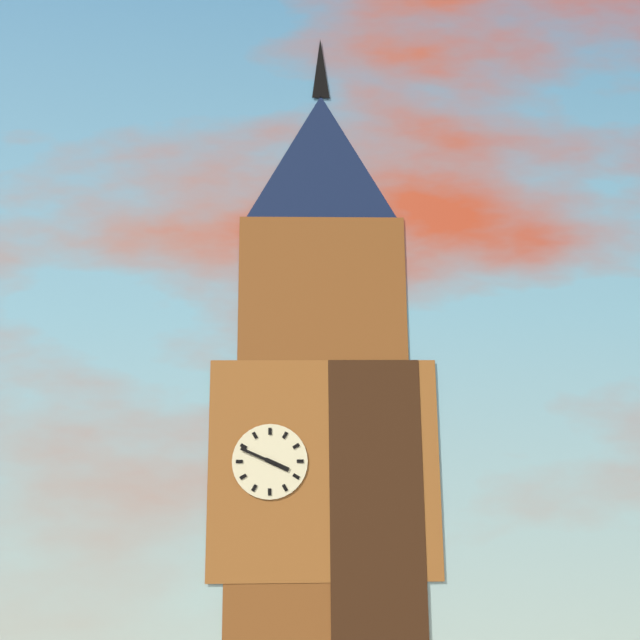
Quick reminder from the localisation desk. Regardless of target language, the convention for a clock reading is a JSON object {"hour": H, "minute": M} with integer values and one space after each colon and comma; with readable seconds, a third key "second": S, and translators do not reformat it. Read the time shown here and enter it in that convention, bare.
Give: {"hour": 3, "minute": 49}
